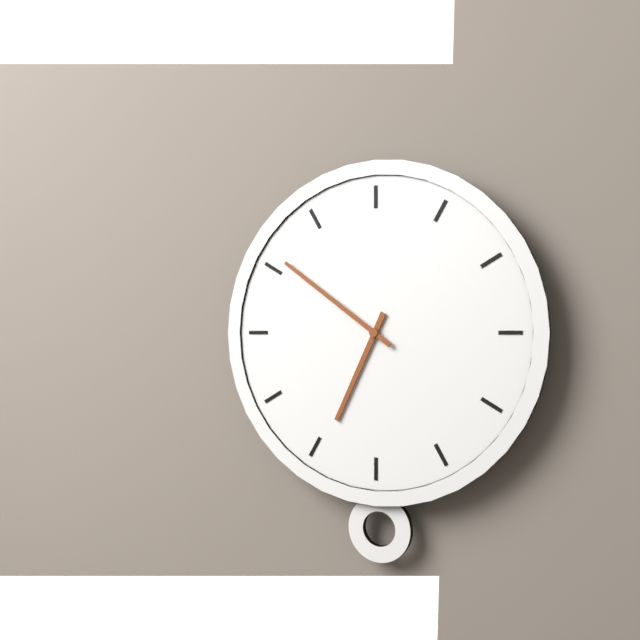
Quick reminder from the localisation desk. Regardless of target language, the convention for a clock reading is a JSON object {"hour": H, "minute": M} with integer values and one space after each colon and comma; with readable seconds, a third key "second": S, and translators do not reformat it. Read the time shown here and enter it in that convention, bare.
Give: {"hour": 6, "minute": 51}
